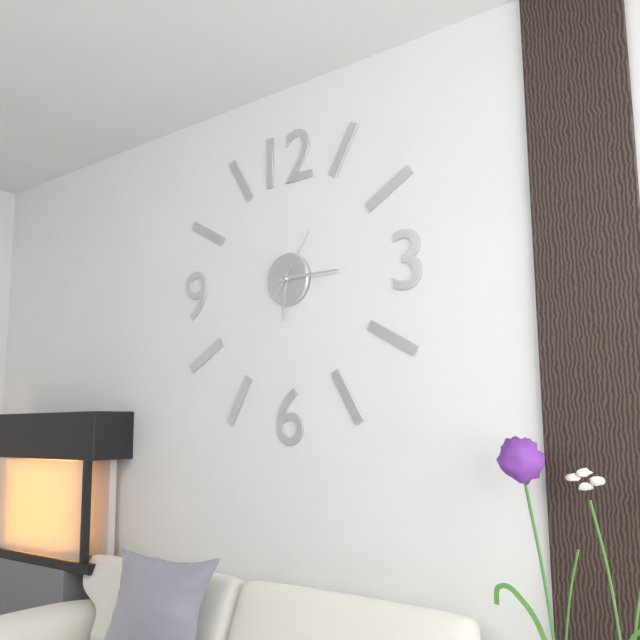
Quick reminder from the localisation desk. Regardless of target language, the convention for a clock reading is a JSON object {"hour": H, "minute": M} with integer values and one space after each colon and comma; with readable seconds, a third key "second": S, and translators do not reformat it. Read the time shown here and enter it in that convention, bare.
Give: {"hour": 6, "minute": 15, "second": 6}
